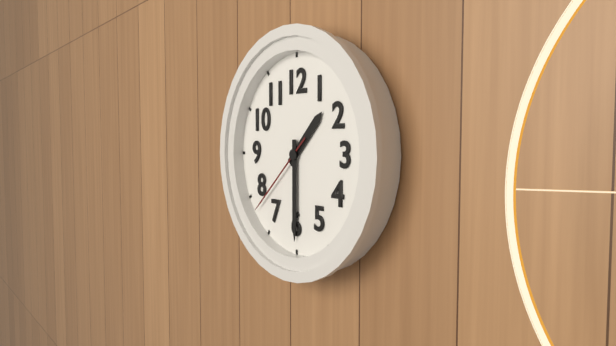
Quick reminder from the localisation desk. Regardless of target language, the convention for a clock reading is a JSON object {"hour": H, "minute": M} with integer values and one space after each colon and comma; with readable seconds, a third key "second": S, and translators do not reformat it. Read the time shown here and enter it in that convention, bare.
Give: {"hour": 1, "minute": 30, "second": 38}
